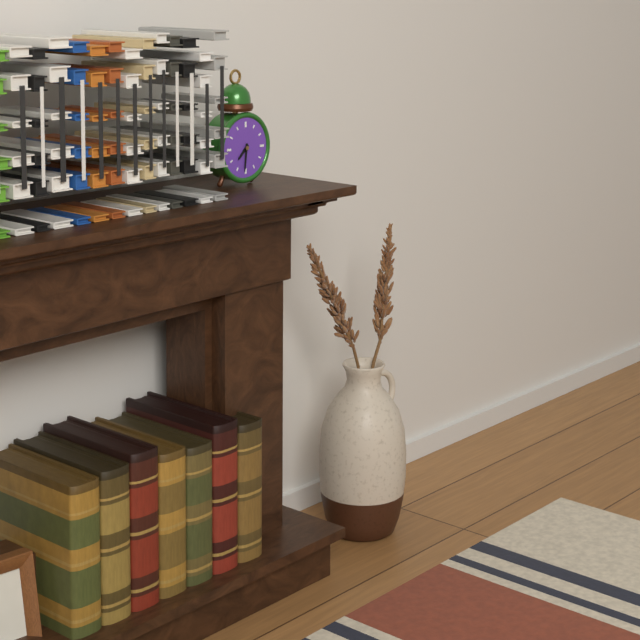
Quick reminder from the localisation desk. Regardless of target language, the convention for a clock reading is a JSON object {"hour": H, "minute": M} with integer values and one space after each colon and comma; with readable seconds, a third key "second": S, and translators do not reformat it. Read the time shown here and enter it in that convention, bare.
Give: {"hour": 7, "minute": 31}
